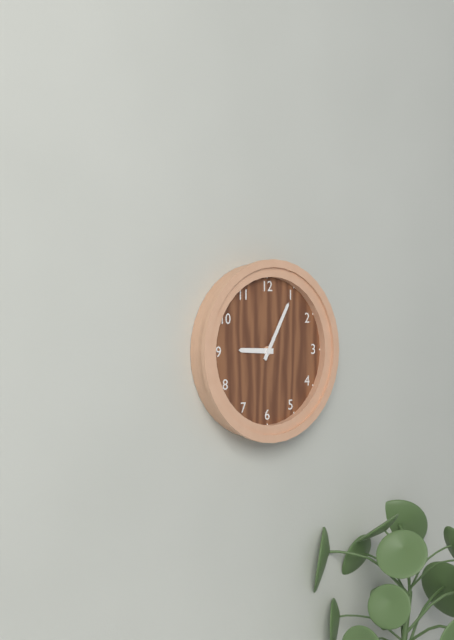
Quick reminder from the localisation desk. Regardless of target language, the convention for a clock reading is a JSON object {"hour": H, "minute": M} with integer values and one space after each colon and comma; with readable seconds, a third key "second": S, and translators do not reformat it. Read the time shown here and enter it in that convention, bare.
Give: {"hour": 9, "minute": 5}
